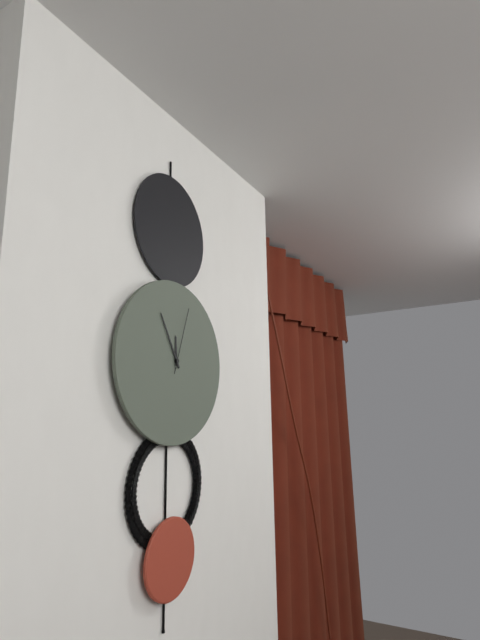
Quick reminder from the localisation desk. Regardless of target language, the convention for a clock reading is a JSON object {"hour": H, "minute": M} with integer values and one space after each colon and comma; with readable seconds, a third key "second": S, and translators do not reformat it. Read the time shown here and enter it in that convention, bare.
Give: {"hour": 11, "minute": 55, "second": 3}
